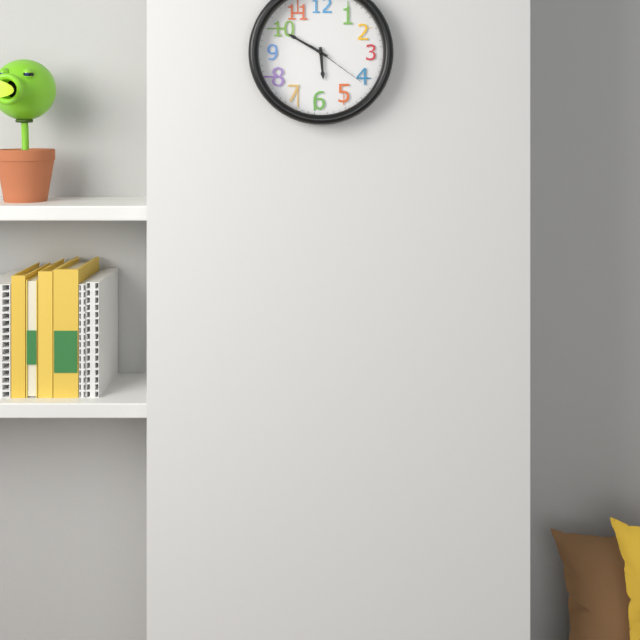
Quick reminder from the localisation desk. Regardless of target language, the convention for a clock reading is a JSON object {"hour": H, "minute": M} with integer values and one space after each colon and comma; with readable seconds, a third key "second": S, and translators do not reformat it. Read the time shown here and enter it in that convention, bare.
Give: {"hour": 5, "minute": 50, "second": 21}
